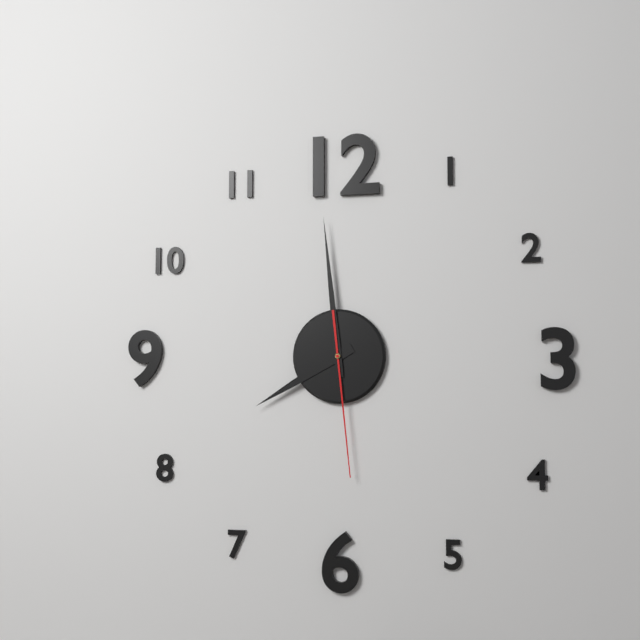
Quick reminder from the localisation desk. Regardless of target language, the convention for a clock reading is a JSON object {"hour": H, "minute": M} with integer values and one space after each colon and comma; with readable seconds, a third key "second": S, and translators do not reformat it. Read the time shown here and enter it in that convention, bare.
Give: {"hour": 7, "minute": 59, "second": 29}
